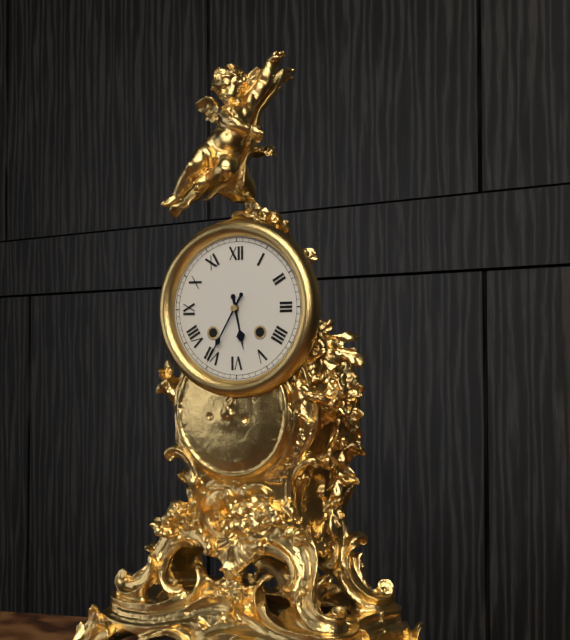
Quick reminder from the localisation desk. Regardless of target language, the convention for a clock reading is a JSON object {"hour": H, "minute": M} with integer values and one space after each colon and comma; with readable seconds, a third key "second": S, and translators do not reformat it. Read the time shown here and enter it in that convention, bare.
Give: {"hour": 5, "minute": 35}
